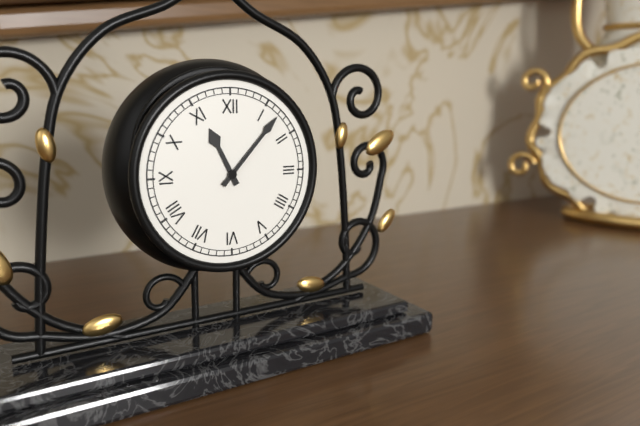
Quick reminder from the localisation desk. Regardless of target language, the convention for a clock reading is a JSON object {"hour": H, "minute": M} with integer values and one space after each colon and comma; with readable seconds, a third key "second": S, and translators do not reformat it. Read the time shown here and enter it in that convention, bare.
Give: {"hour": 11, "minute": 7}
